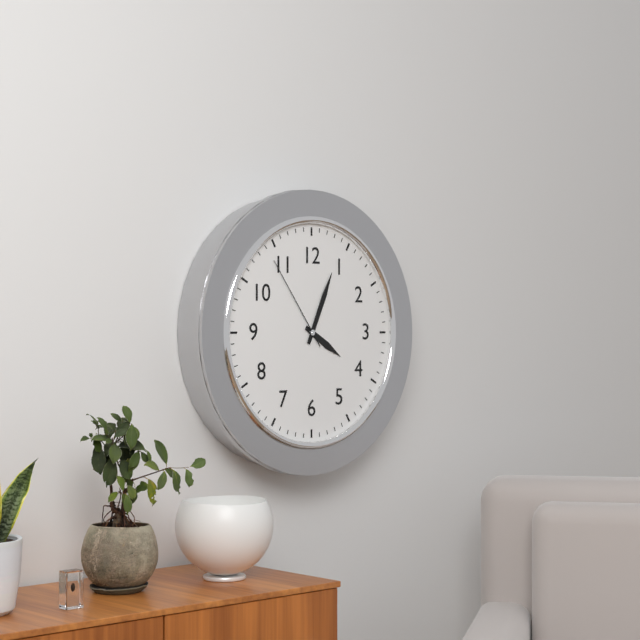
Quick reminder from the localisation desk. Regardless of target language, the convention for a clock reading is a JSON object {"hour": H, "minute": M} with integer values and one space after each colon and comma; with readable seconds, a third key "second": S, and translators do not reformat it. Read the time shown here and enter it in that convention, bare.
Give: {"hour": 4, "minute": 4, "second": 54}
